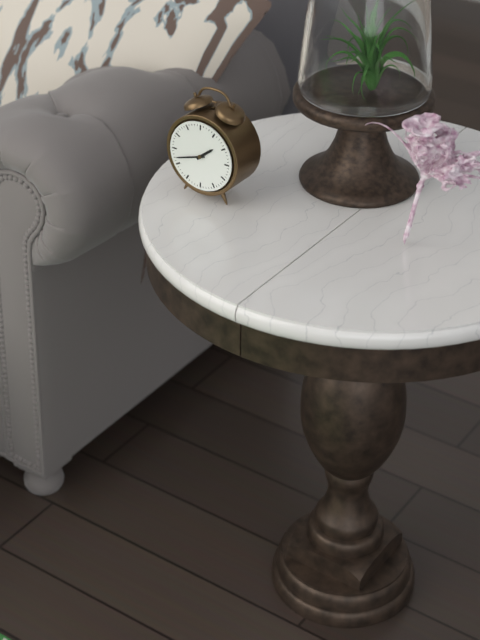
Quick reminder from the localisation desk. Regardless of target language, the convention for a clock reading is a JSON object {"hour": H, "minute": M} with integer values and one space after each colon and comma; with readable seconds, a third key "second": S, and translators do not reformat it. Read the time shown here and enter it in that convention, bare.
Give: {"hour": 1, "minute": 42}
